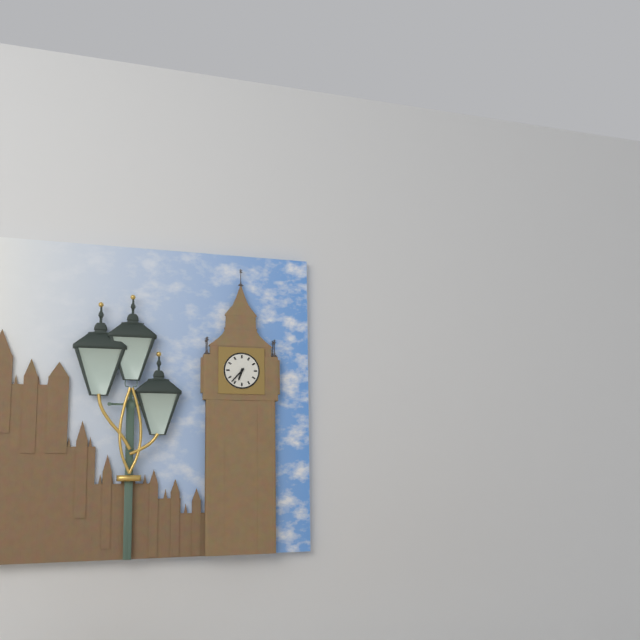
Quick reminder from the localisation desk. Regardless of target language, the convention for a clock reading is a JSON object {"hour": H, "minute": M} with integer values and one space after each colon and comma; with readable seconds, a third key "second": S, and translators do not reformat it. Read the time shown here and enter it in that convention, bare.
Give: {"hour": 6, "minute": 37}
